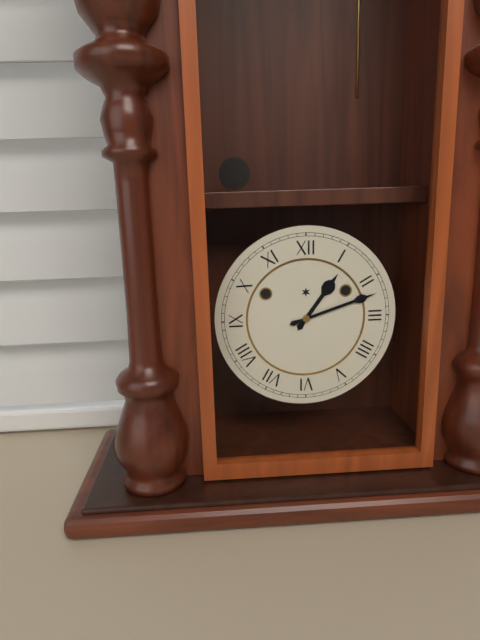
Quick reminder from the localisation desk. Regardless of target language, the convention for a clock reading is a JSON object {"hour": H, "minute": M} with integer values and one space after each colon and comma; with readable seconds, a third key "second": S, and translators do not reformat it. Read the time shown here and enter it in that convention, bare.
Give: {"hour": 1, "minute": 12}
